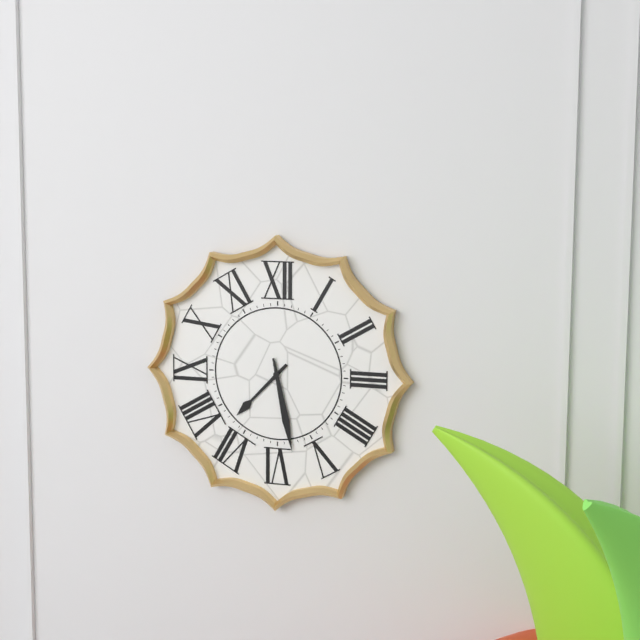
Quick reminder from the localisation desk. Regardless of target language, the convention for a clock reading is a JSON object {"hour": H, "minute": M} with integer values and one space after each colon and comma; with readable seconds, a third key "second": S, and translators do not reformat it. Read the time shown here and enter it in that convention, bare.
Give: {"hour": 7, "minute": 28}
